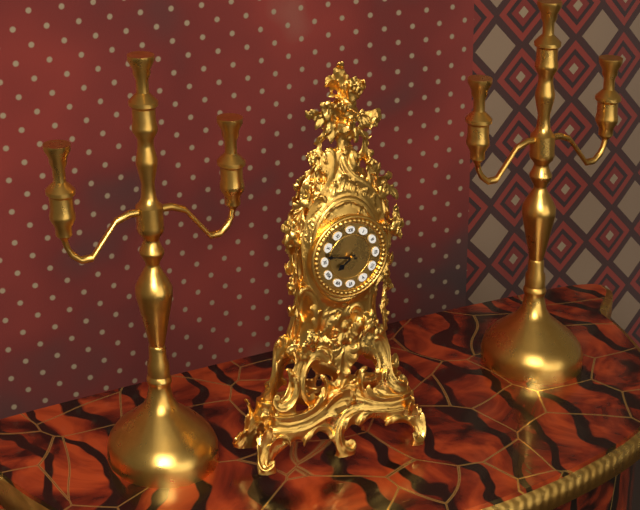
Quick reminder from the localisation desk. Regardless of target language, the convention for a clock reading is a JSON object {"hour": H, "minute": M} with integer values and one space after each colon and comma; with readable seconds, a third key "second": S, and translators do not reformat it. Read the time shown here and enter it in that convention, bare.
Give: {"hour": 7, "minute": 47}
